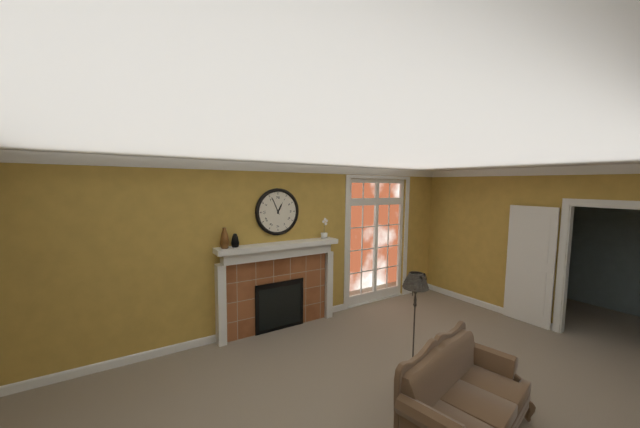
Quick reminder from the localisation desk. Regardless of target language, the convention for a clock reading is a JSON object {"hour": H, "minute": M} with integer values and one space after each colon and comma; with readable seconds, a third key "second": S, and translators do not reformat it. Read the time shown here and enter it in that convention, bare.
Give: {"hour": 12, "minute": 56}
